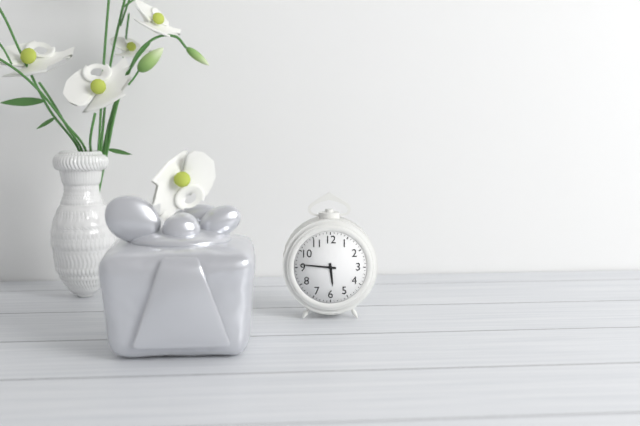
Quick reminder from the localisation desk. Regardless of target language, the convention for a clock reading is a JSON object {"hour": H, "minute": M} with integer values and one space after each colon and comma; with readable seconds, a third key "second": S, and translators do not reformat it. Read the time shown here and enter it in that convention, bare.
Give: {"hour": 5, "minute": 46}
